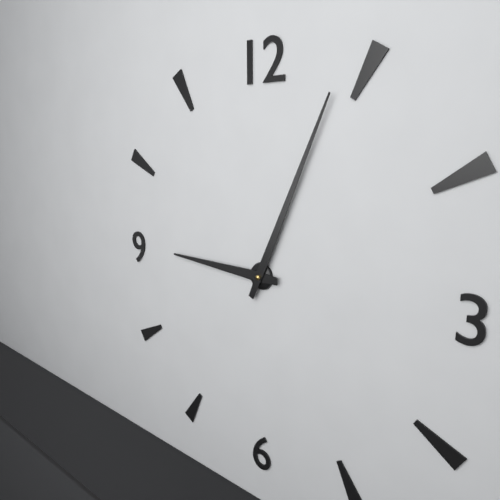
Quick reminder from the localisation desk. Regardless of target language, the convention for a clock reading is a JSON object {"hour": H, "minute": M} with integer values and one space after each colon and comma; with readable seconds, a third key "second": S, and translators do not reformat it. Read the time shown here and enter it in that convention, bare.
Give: {"hour": 9, "minute": 4}
